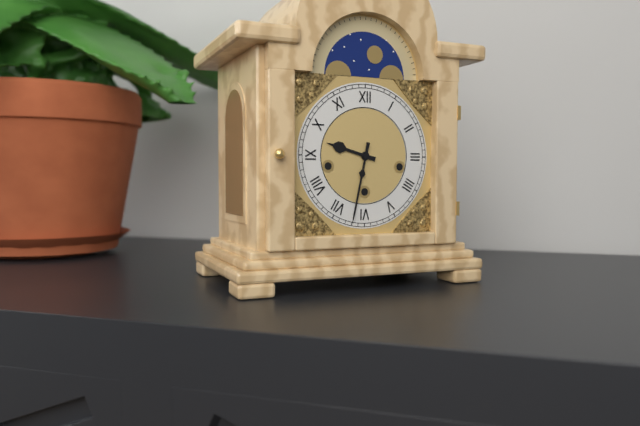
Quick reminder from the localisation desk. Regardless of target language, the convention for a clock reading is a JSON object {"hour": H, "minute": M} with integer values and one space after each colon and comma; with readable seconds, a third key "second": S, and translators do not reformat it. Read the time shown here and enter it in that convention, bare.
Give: {"hour": 9, "minute": 32}
